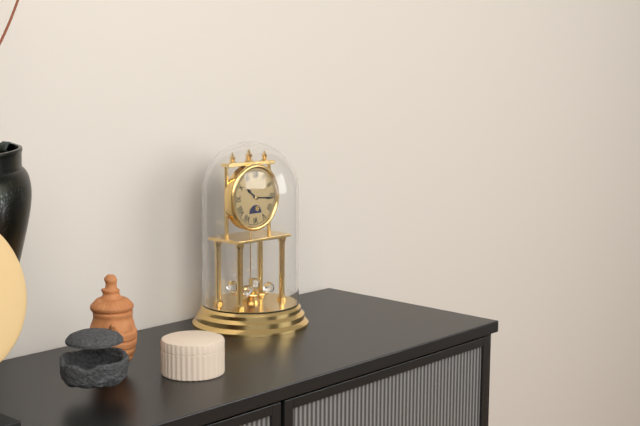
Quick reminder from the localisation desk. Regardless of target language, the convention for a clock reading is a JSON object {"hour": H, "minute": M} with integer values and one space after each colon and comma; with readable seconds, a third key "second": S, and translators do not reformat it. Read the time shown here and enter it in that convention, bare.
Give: {"hour": 10, "minute": 16}
